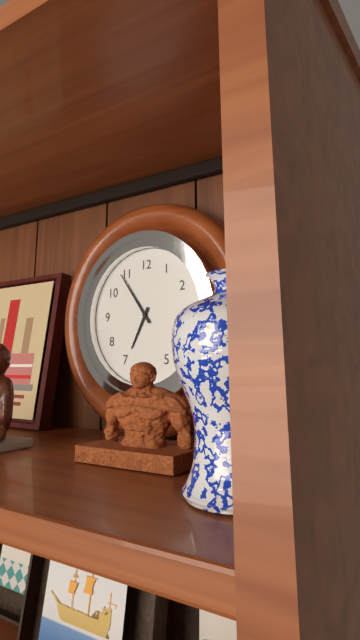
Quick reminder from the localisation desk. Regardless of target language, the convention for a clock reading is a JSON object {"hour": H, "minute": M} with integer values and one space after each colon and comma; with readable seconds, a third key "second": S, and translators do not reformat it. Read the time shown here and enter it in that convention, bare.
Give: {"hour": 6, "minute": 54}
